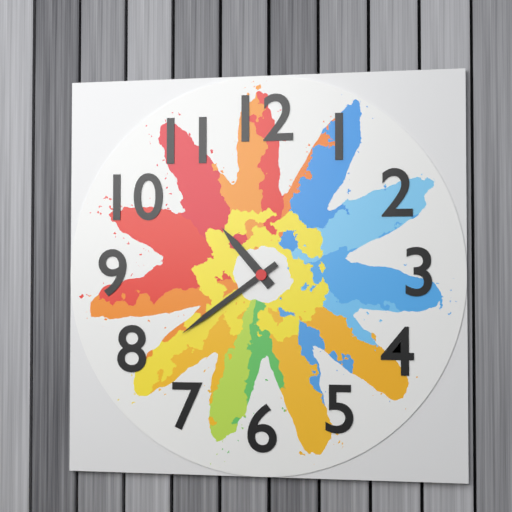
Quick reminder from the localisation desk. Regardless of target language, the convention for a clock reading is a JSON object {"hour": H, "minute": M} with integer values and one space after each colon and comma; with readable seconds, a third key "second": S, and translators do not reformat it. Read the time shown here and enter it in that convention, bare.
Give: {"hour": 10, "minute": 39}
